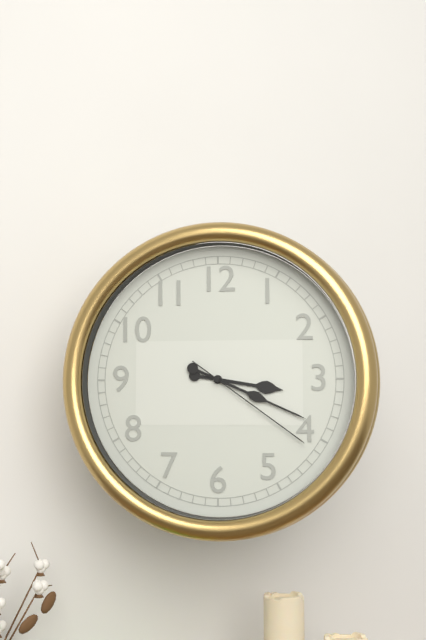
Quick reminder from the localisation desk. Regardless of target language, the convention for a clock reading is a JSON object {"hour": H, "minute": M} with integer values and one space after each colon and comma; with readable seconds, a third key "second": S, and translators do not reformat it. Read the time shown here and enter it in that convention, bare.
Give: {"hour": 3, "minute": 19, "second": 21}
